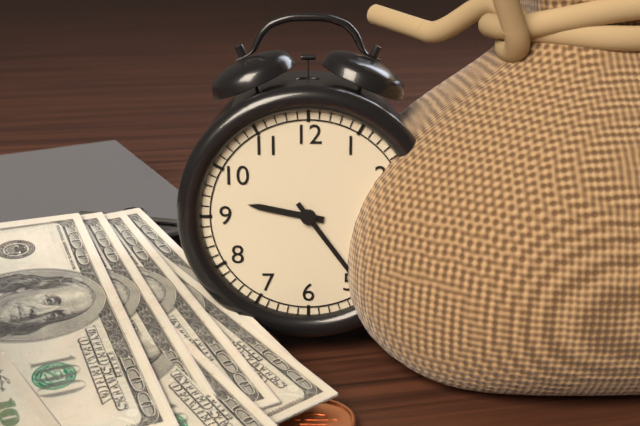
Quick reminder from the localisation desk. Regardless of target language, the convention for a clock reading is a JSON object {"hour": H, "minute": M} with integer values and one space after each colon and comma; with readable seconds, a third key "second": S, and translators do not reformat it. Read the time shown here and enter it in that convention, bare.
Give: {"hour": 9, "minute": 24}
